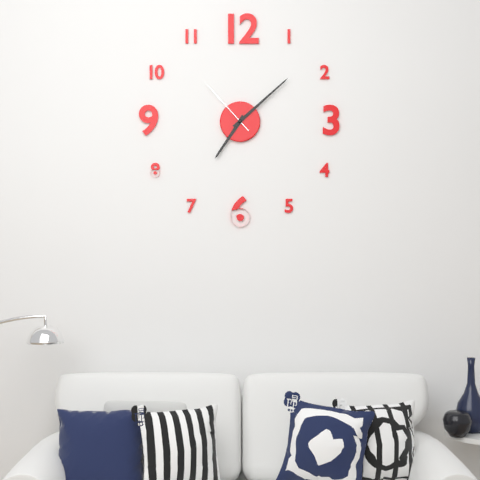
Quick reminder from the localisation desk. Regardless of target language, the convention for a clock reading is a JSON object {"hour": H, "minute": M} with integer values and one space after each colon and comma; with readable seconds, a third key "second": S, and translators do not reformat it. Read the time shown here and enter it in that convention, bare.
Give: {"hour": 7, "minute": 8, "second": 53}
